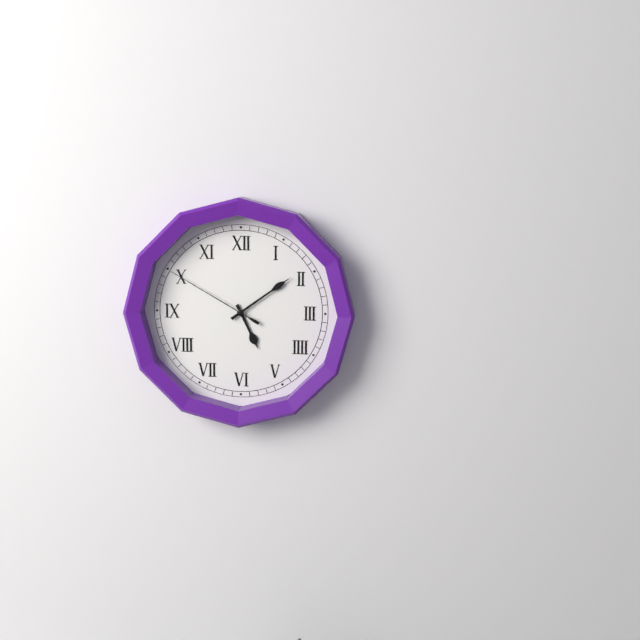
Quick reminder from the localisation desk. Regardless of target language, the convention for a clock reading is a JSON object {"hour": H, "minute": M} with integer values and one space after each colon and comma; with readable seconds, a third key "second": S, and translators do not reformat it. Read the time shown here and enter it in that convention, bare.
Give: {"hour": 5, "minute": 9, "second": 50}
